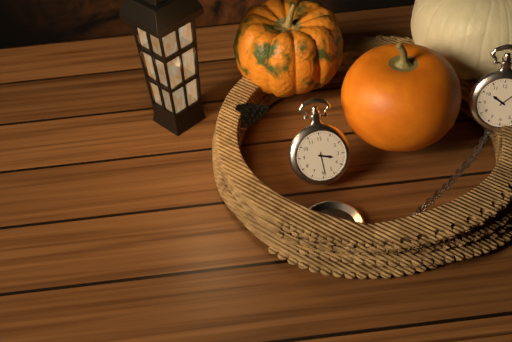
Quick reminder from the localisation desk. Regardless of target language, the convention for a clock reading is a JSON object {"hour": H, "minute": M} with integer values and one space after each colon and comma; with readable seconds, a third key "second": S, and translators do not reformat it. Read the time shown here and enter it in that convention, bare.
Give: {"hour": 3, "minute": 29}
